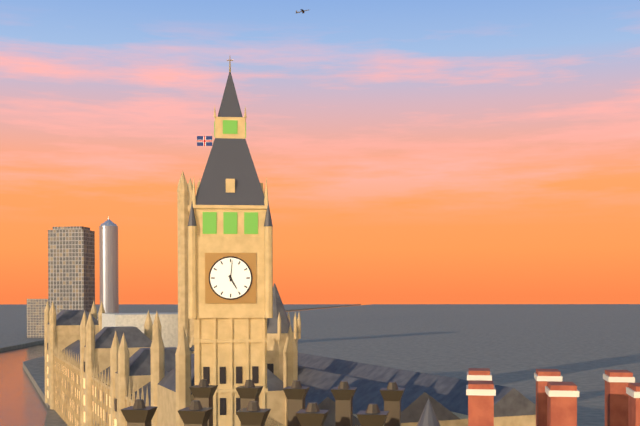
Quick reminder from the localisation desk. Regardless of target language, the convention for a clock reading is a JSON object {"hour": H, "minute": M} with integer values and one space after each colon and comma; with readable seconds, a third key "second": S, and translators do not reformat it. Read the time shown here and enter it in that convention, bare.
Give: {"hour": 5, "minute": 1}
